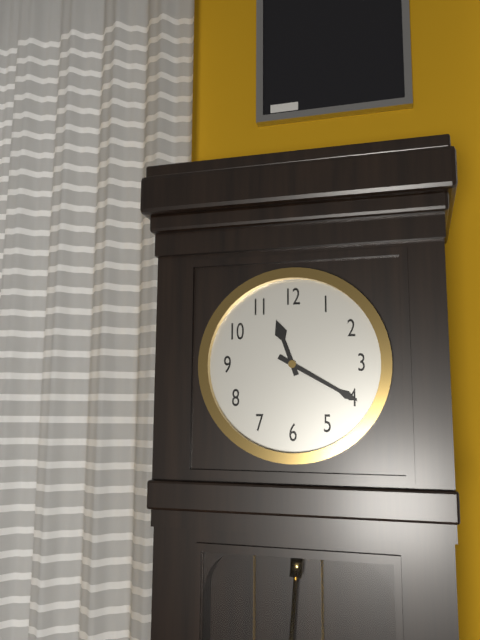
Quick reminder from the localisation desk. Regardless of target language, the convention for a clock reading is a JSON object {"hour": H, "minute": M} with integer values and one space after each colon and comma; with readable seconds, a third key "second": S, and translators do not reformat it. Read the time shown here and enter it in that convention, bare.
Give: {"hour": 11, "minute": 20}
